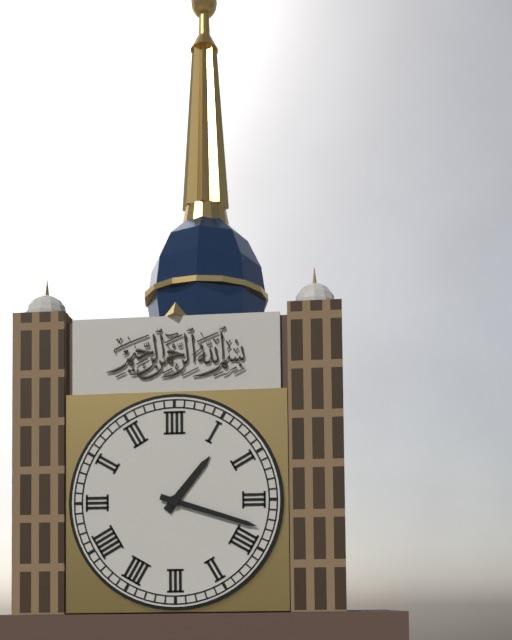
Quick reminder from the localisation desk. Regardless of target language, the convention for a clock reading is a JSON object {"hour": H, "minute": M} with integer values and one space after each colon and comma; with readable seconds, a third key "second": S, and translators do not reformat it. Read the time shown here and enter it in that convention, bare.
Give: {"hour": 1, "minute": 18}
